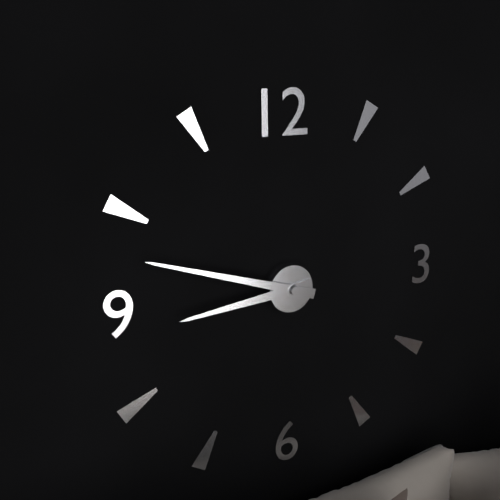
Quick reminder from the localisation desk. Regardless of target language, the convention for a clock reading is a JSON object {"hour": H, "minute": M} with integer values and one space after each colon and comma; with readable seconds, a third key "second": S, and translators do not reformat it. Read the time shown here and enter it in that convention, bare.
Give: {"hour": 8, "minute": 48}
